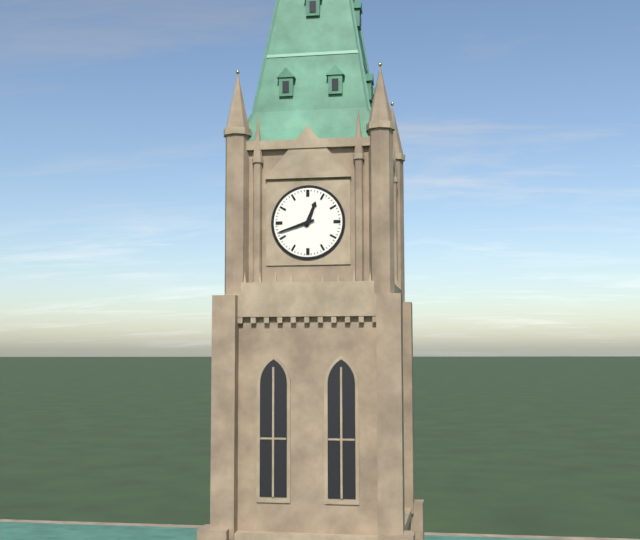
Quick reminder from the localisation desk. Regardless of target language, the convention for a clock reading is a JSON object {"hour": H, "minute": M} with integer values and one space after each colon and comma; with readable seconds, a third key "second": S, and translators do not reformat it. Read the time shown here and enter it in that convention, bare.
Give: {"hour": 12, "minute": 42}
